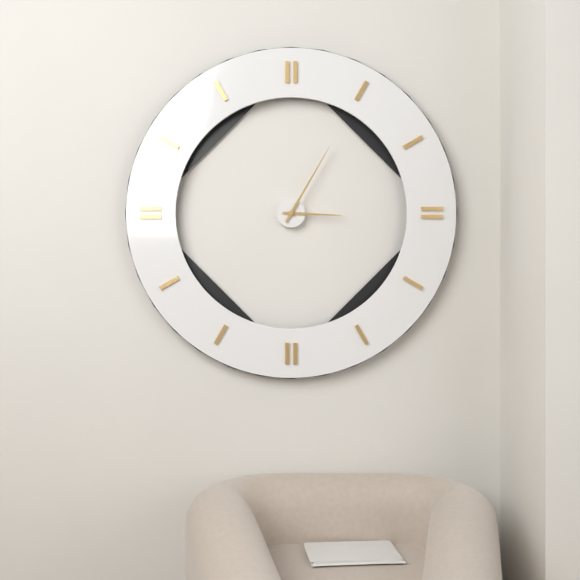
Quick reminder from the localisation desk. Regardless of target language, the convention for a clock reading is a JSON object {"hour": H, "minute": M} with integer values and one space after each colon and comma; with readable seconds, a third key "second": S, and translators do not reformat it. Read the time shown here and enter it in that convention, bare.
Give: {"hour": 3, "minute": 5}
